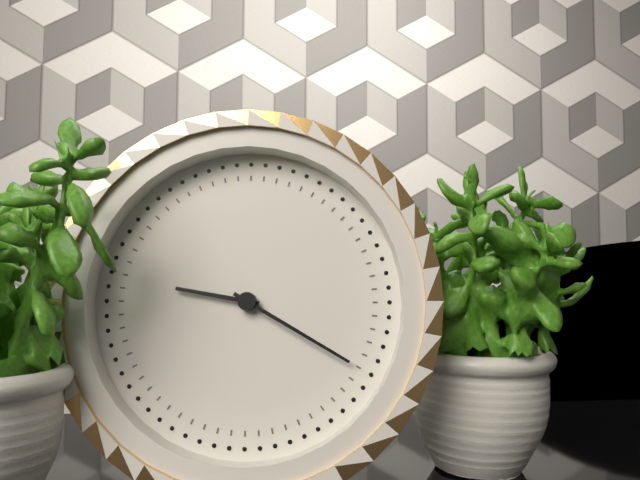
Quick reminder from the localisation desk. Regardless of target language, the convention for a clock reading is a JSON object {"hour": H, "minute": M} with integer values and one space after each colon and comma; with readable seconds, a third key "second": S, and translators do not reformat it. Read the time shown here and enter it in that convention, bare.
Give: {"hour": 9, "minute": 20}
